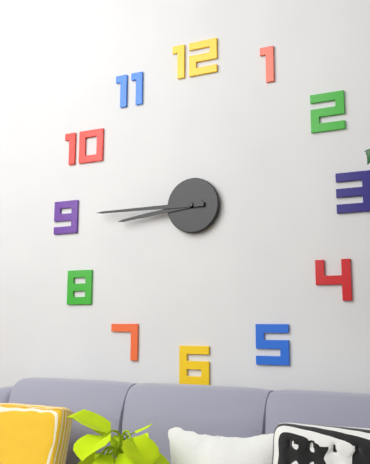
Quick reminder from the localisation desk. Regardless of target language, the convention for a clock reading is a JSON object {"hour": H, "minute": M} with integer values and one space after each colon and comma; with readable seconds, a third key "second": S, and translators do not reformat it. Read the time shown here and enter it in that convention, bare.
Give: {"hour": 8, "minute": 45}
